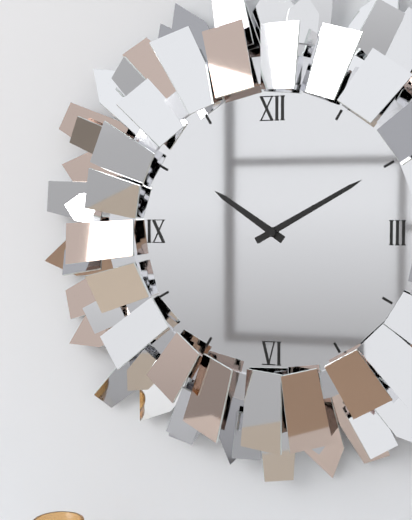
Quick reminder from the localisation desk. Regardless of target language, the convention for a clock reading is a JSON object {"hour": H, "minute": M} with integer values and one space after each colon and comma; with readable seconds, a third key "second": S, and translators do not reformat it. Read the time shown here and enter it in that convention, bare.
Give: {"hour": 10, "minute": 10}
